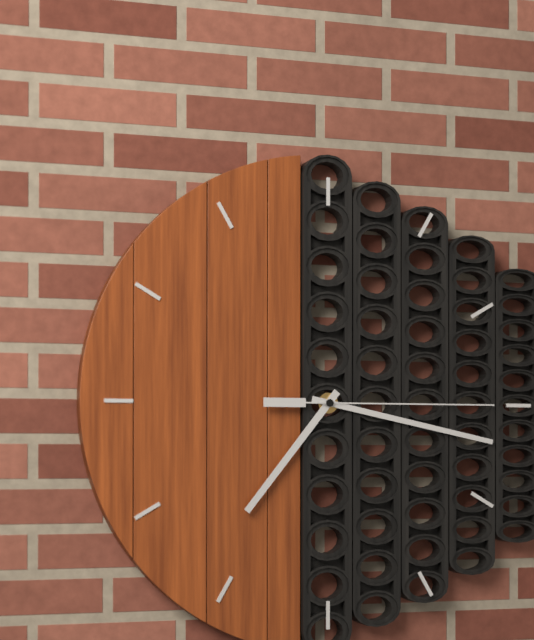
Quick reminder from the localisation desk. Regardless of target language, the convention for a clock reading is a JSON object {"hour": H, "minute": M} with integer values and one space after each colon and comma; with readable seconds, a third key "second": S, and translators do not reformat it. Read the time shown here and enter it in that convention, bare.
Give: {"hour": 7, "minute": 17, "second": 15}
